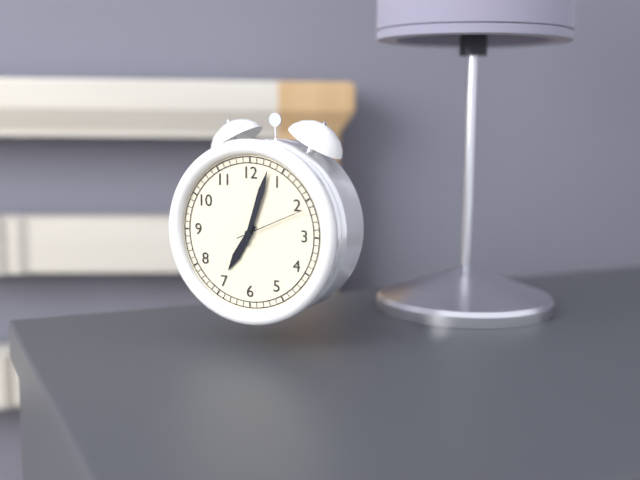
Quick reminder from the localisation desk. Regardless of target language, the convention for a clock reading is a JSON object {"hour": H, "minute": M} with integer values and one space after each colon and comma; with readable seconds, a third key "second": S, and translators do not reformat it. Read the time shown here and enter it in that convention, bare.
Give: {"hour": 7, "minute": 3, "second": 11}
